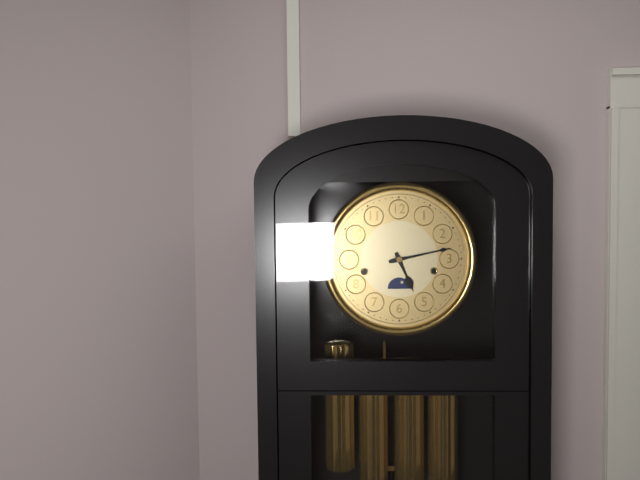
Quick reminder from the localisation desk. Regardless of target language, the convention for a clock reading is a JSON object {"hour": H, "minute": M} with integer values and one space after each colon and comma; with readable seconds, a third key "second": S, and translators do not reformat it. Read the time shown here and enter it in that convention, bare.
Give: {"hour": 5, "minute": 13}
